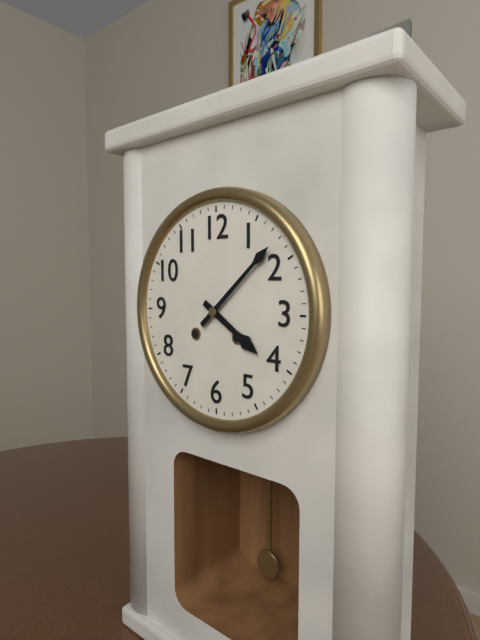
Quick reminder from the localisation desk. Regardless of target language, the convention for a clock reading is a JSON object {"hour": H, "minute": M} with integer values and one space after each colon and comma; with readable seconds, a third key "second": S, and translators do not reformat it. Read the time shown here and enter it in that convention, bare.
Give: {"hour": 4, "minute": 8}
